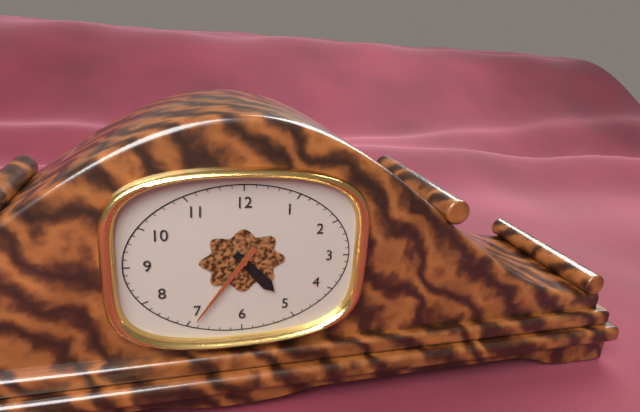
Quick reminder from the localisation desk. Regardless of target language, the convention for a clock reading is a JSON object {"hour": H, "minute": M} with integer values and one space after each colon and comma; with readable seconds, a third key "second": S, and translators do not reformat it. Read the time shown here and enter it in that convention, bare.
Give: {"hour": 4, "minute": 36}
